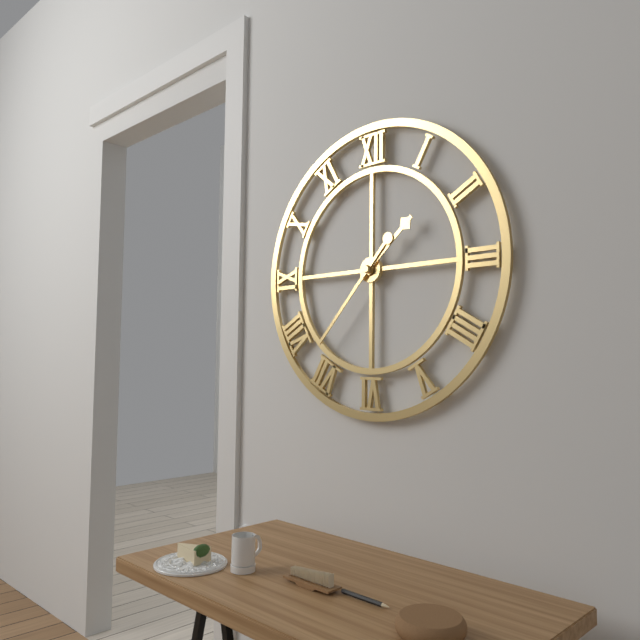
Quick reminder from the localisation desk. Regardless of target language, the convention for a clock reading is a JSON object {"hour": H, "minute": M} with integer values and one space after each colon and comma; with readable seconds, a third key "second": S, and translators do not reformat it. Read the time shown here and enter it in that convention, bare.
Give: {"hour": 1, "minute": 37}
